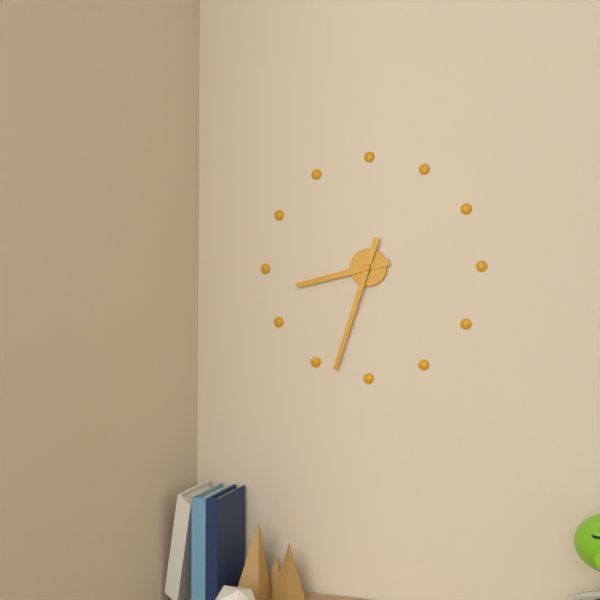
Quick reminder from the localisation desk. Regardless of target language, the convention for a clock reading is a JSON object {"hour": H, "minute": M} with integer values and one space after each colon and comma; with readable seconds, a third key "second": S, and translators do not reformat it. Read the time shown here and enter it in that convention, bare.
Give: {"hour": 8, "minute": 33}
